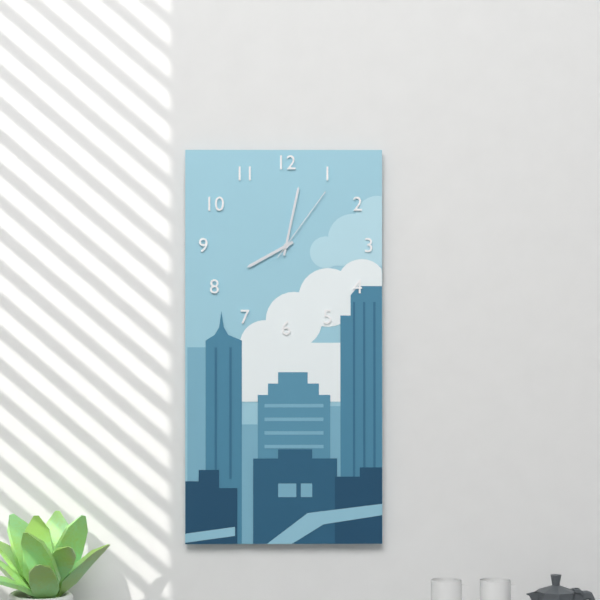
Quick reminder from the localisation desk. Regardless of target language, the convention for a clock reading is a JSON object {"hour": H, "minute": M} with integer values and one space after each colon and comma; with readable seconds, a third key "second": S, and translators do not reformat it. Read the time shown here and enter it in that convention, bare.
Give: {"hour": 8, "minute": 2, "second": 6}
